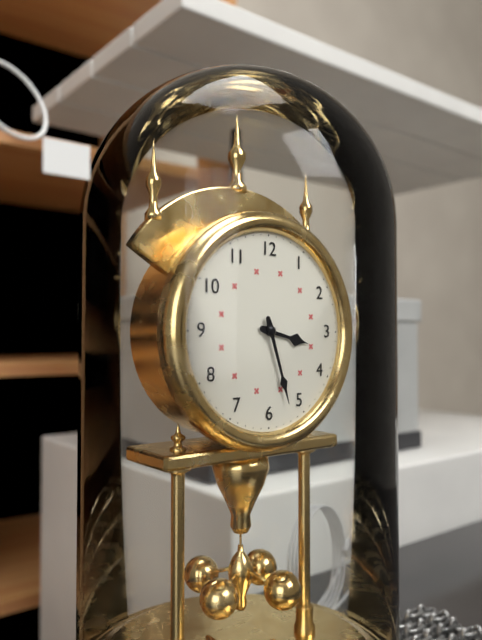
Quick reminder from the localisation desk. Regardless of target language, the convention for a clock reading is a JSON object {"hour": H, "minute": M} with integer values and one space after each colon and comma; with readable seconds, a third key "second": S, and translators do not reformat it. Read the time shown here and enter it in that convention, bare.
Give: {"hour": 3, "minute": 27}
